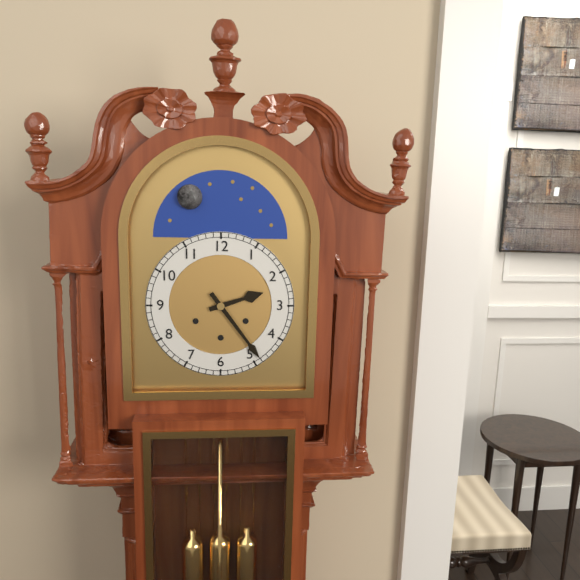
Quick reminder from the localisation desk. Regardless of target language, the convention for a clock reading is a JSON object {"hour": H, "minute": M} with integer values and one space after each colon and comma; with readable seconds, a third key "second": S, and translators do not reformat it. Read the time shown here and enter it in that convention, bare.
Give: {"hour": 2, "minute": 24}
